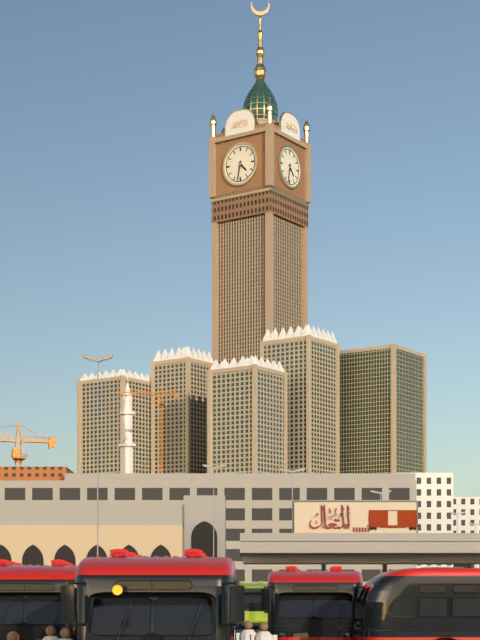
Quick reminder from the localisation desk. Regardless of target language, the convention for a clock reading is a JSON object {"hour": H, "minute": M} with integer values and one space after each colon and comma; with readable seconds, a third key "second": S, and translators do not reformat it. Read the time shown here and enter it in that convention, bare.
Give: {"hour": 4, "minute": 32}
